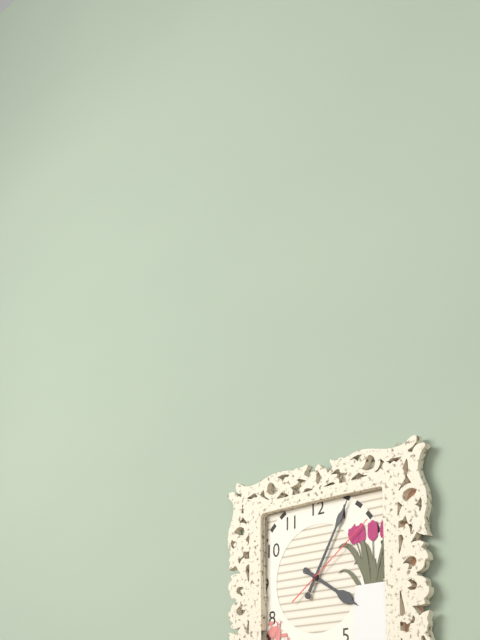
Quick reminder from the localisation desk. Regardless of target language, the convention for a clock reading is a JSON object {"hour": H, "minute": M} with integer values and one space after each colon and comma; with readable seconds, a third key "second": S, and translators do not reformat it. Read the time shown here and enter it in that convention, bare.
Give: {"hour": 4, "minute": 5, "second": 9}
